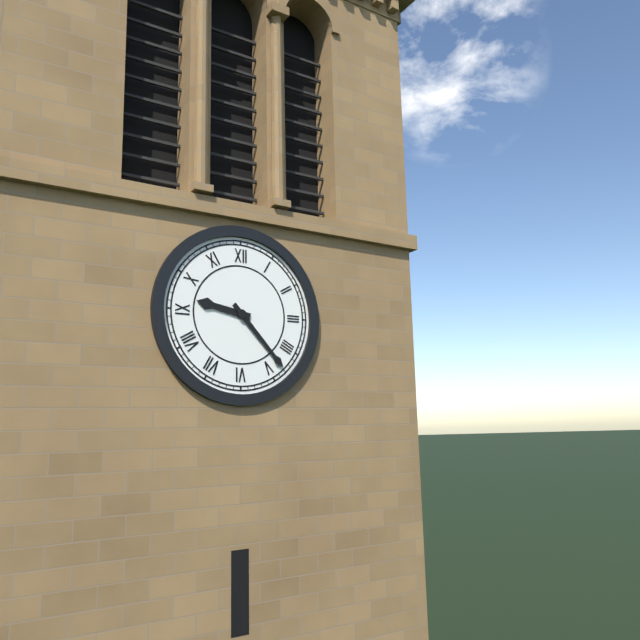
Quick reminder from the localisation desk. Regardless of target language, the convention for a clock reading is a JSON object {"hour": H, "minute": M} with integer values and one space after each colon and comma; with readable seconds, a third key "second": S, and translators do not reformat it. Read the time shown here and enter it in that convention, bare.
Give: {"hour": 9, "minute": 23}
